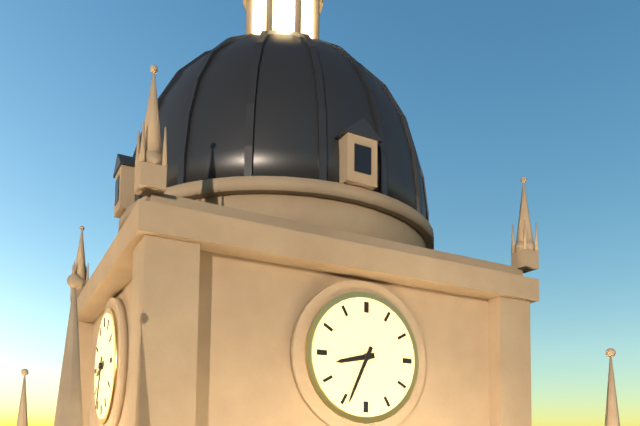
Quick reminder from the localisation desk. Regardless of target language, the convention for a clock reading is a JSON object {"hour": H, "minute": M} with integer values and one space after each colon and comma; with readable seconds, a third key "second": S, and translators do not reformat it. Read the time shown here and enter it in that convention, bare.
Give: {"hour": 8, "minute": 34}
